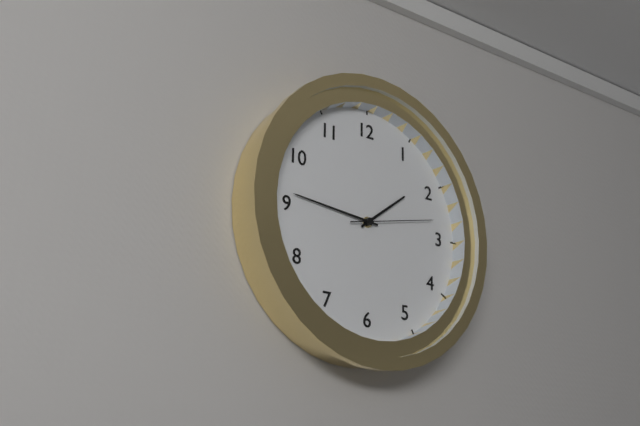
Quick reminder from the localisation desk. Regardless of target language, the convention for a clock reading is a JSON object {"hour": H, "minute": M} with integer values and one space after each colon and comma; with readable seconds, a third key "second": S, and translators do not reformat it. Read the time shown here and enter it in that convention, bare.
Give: {"hour": 1, "minute": 46, "second": 13}
